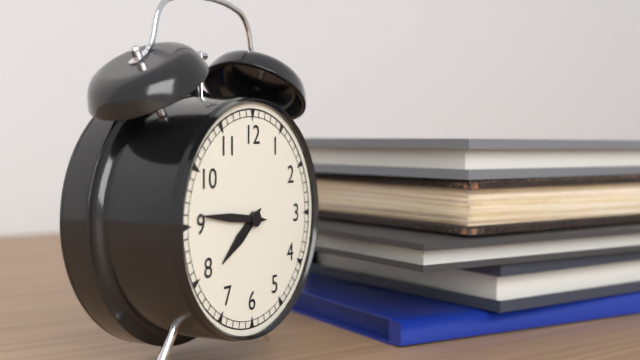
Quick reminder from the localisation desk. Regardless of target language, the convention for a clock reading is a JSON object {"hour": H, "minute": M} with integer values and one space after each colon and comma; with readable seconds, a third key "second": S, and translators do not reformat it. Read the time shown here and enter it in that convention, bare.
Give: {"hour": 7, "minute": 46}
